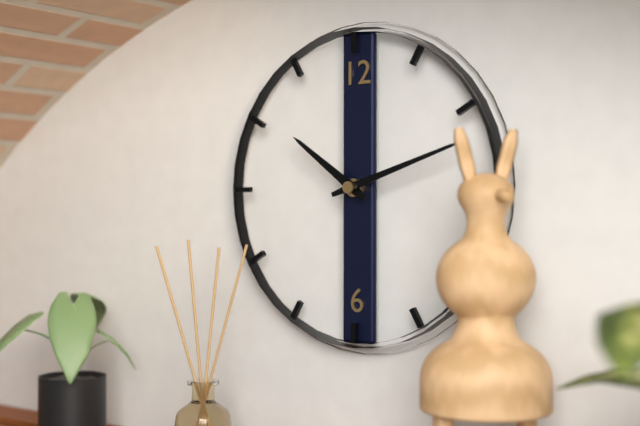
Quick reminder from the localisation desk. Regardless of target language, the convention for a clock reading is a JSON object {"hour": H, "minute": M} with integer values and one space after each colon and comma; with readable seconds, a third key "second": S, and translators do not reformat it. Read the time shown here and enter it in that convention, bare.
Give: {"hour": 10, "minute": 12}
